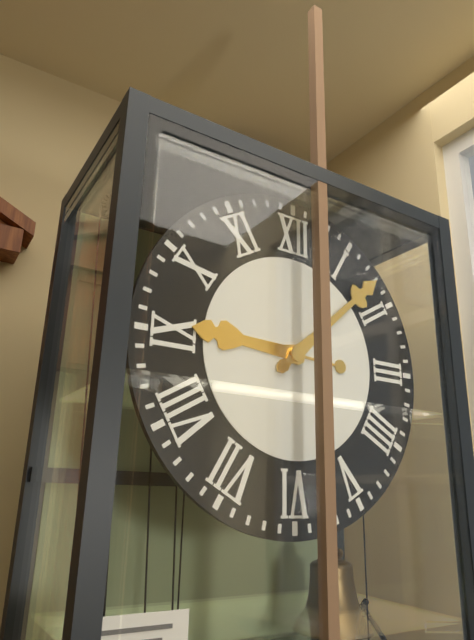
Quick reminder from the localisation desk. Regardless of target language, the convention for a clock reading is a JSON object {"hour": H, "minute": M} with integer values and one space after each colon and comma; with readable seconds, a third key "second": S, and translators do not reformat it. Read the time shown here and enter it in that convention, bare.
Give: {"hour": 9, "minute": 8}
